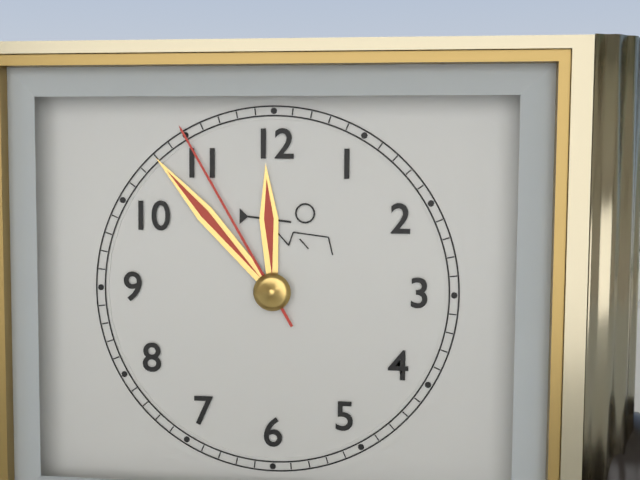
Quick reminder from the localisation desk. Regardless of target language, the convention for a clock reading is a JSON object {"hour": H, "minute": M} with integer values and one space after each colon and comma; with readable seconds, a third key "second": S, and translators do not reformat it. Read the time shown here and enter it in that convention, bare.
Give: {"hour": 11, "minute": 53, "second": 55}
